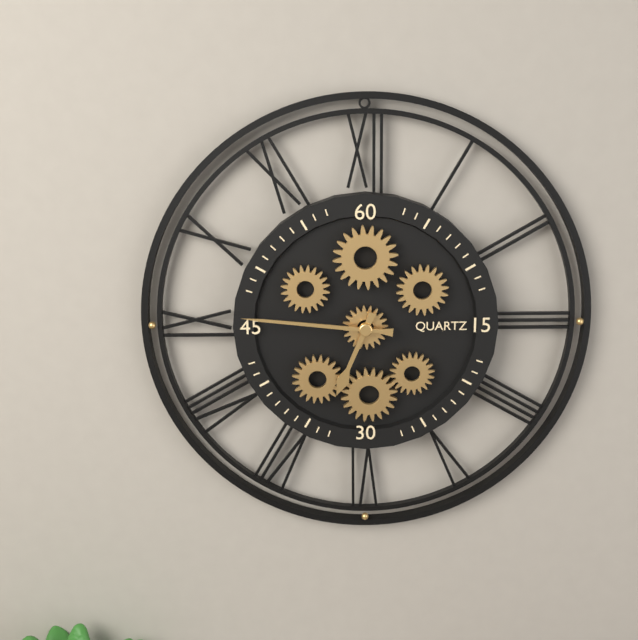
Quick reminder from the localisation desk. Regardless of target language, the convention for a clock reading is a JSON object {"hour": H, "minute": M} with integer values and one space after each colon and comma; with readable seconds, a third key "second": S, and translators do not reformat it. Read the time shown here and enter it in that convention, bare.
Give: {"hour": 6, "minute": 46}
